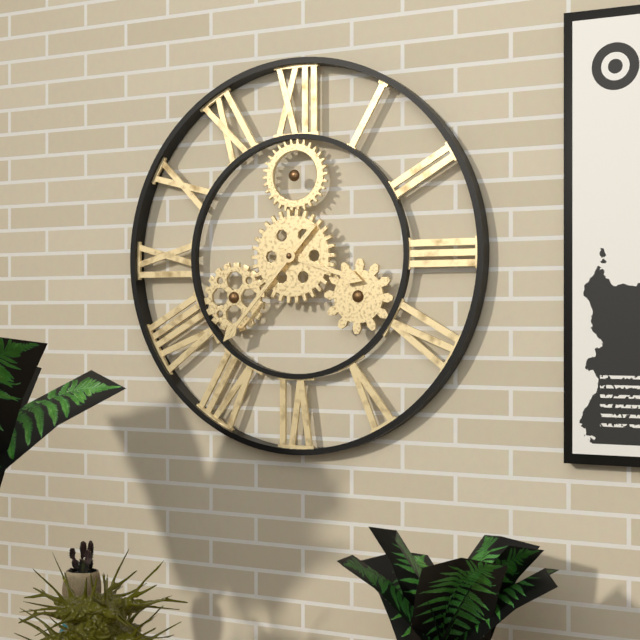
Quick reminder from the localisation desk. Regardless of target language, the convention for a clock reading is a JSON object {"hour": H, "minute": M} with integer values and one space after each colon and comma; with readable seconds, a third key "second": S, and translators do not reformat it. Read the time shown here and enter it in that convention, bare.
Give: {"hour": 3, "minute": 37}
